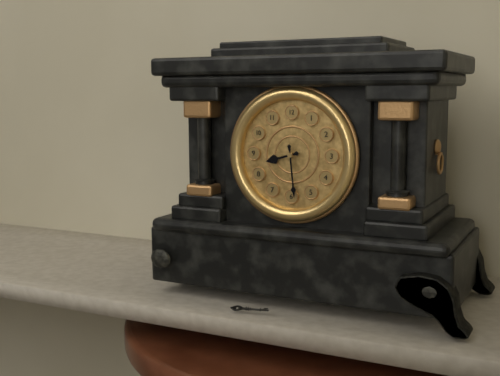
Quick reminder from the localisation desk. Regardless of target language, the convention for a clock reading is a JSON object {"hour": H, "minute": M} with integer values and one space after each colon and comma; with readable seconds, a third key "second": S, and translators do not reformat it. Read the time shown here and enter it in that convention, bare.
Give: {"hour": 8, "minute": 29}
